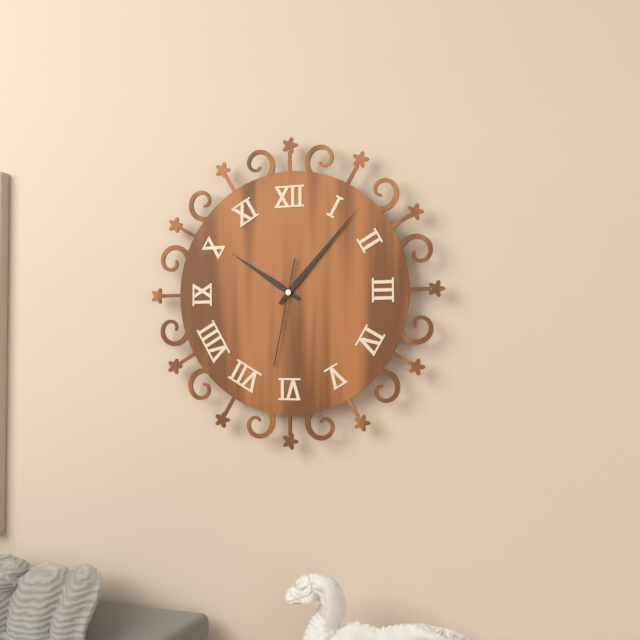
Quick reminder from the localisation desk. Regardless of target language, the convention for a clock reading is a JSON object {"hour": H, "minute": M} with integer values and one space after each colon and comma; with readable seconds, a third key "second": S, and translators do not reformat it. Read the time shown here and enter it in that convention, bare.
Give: {"hour": 10, "minute": 7, "second": 32}
